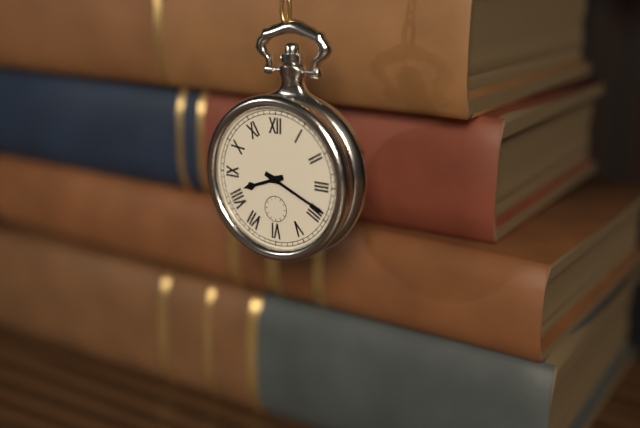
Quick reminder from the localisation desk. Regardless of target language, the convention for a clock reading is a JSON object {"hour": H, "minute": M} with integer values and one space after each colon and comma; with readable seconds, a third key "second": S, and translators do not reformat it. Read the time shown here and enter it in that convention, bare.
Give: {"hour": 8, "minute": 19}
